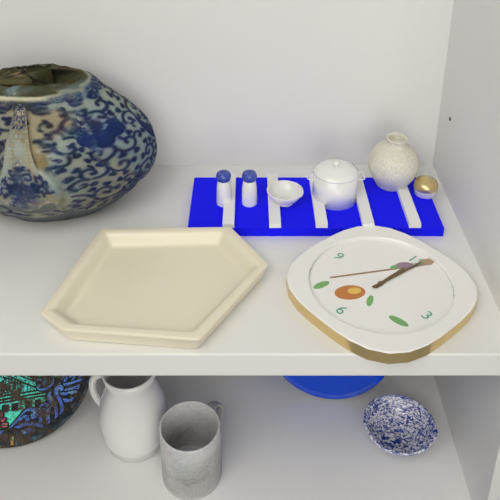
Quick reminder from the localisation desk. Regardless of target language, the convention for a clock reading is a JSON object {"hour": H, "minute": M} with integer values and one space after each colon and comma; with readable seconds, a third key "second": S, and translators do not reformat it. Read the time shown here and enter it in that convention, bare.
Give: {"hour": 12, "minute": 1}
